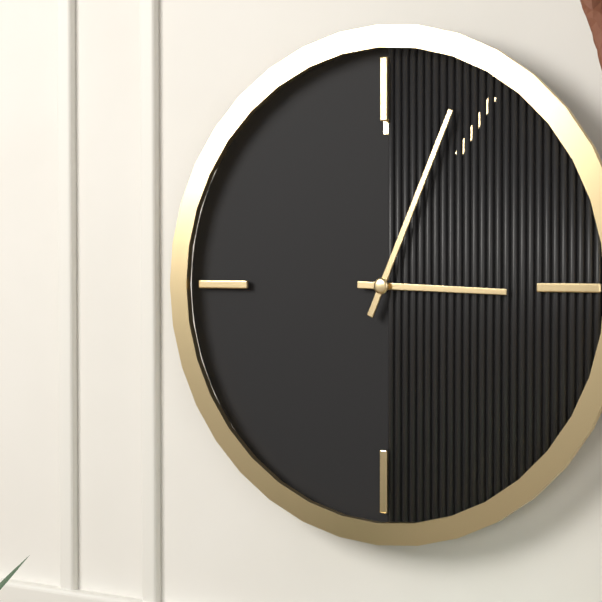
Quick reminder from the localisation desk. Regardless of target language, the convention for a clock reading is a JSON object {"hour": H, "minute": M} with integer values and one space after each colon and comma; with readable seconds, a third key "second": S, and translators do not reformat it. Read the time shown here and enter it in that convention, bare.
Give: {"hour": 3, "minute": 4}
